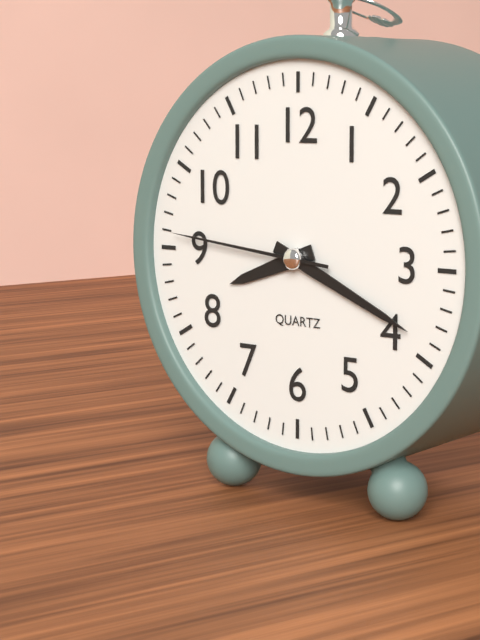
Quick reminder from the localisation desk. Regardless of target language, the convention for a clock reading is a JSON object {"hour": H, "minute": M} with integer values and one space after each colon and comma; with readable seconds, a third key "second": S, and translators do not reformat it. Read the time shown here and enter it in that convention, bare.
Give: {"hour": 8, "minute": 19, "second": 46}
